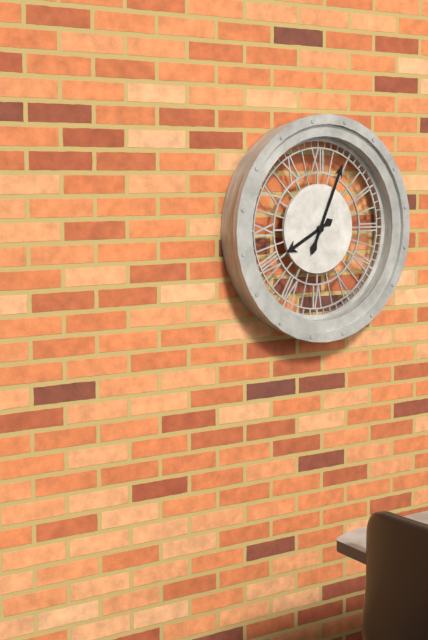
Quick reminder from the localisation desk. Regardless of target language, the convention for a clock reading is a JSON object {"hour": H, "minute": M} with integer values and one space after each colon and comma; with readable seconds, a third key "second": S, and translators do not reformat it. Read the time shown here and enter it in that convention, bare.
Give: {"hour": 8, "minute": 4}
